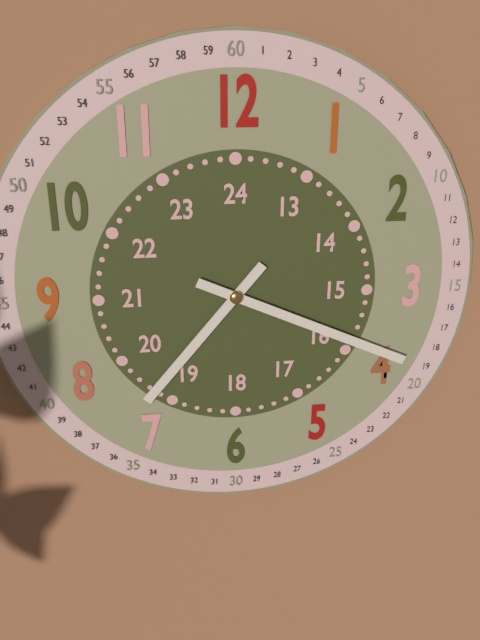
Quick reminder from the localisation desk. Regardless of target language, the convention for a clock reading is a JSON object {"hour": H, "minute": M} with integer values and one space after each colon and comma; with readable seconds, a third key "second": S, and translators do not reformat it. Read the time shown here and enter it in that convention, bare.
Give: {"hour": 7, "minute": 19}
